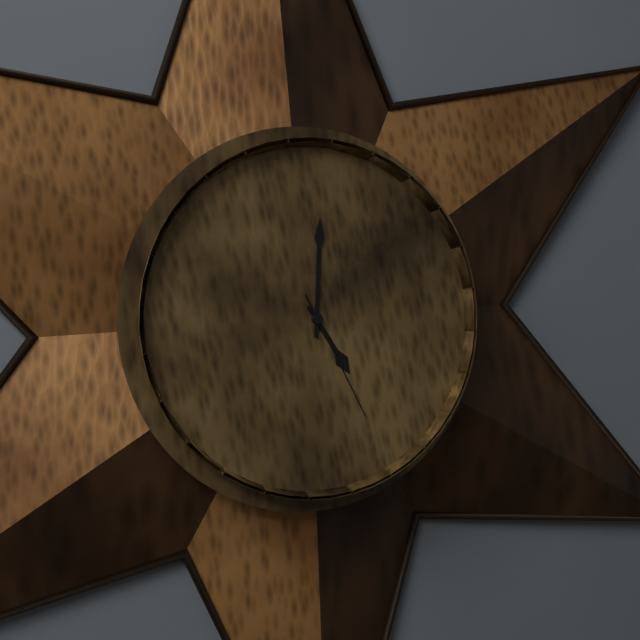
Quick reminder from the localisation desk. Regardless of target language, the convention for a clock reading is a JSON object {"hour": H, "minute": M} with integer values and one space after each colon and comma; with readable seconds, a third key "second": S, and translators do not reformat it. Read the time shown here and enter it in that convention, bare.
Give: {"hour": 5, "minute": 1, "second": 26}
